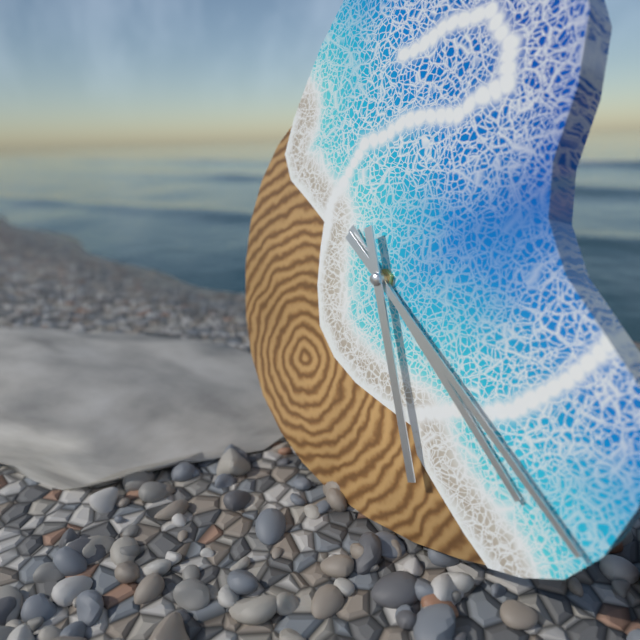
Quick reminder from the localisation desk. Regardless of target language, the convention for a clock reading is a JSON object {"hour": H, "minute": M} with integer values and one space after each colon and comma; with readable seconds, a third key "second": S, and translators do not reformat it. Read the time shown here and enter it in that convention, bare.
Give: {"hour": 4, "minute": 21, "second": 26}
